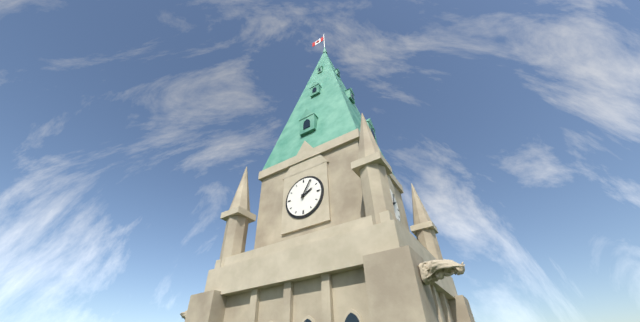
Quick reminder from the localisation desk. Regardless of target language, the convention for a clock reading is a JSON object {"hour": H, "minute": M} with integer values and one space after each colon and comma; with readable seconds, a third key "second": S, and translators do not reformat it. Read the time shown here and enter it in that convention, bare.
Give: {"hour": 2, "minute": 5}
